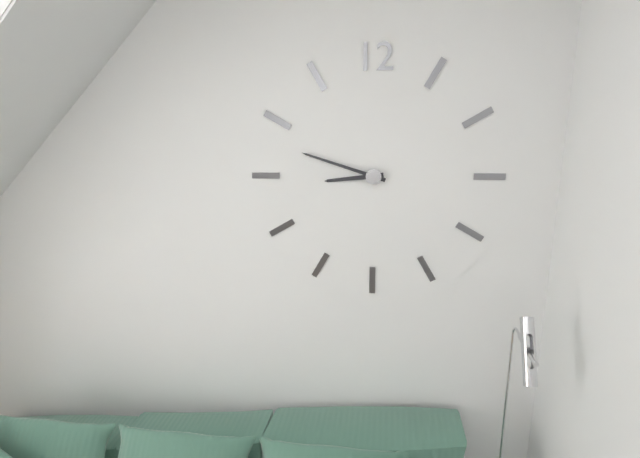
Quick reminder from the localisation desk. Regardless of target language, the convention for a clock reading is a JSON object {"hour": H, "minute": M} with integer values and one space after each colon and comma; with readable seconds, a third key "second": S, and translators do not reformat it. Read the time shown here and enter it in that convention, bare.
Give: {"hour": 8, "minute": 48}
